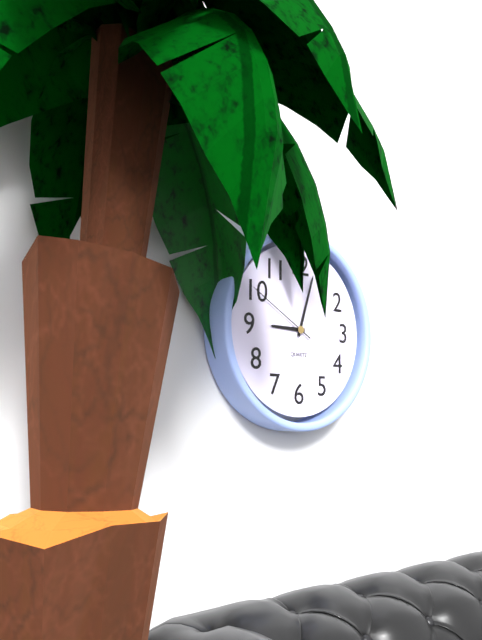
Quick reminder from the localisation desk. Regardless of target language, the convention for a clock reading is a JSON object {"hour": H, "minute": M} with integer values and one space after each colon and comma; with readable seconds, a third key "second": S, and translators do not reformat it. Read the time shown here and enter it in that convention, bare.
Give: {"hour": 9, "minute": 3, "second": 50}
